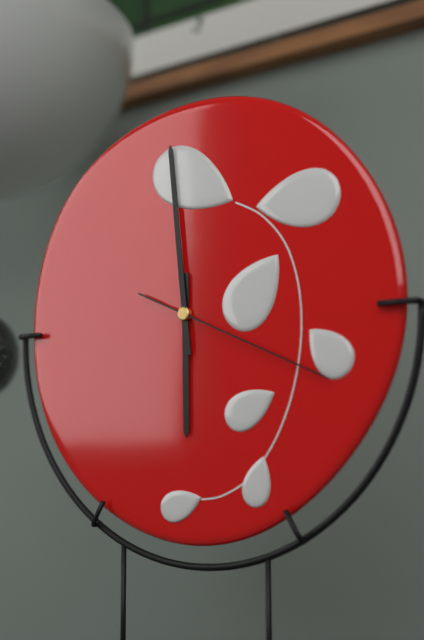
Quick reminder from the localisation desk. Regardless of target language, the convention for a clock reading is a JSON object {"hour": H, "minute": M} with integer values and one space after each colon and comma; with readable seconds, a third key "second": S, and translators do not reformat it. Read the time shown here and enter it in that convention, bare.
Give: {"hour": 5, "minute": 59, "second": 19}
